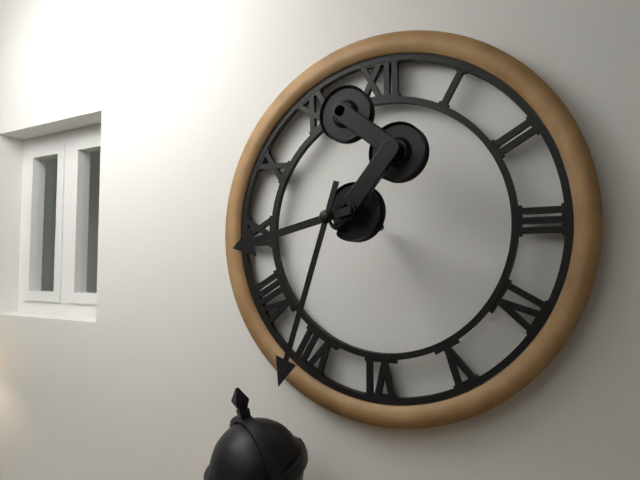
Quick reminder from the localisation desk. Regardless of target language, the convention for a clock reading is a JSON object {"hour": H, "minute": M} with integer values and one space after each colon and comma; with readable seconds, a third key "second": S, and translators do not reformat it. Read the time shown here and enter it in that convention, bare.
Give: {"hour": 8, "minute": 33}
